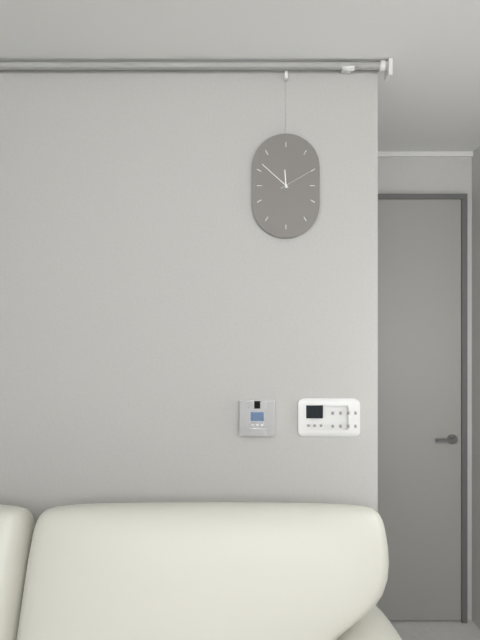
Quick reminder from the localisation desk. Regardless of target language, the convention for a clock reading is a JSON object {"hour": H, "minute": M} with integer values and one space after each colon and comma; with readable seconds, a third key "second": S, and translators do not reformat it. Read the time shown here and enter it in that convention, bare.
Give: {"hour": 11, "minute": 52}
